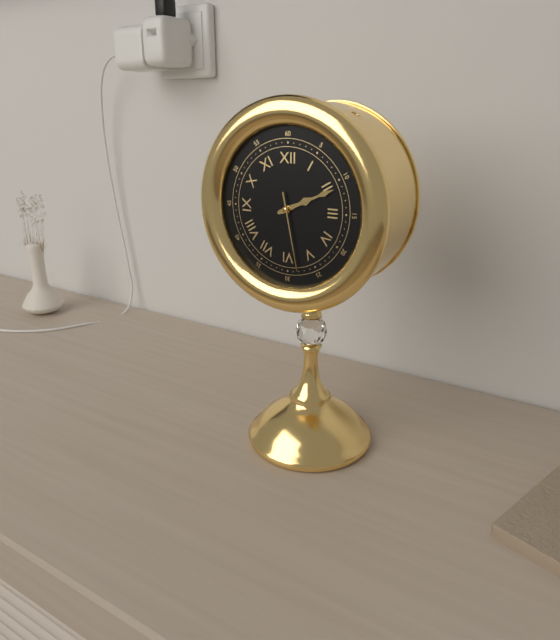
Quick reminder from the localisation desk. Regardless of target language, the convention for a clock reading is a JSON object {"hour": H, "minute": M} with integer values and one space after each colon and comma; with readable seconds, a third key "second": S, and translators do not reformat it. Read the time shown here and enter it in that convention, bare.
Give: {"hour": 2, "minute": 11, "second": 28}
